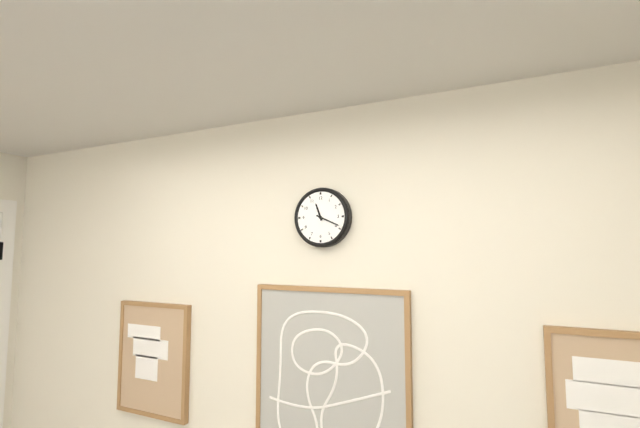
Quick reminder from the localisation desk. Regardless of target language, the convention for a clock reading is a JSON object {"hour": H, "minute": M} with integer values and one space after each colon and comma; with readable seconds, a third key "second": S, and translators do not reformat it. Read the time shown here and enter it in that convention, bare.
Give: {"hour": 11, "minute": 19}
